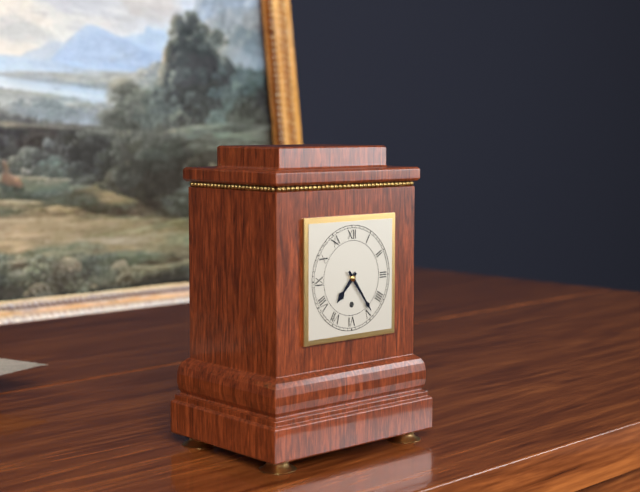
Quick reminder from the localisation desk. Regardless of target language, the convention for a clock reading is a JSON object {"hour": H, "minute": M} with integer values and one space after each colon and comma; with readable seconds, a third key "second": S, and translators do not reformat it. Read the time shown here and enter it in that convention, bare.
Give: {"hour": 7, "minute": 24}
